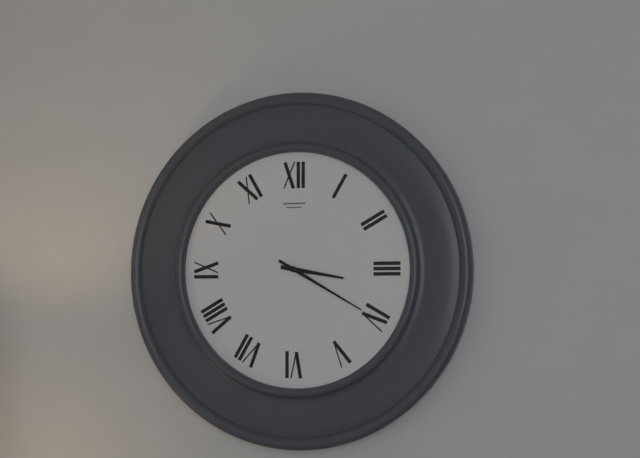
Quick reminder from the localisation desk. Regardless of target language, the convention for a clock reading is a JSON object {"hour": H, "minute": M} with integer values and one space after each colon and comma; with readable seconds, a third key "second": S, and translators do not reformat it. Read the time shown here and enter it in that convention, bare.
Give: {"hour": 3, "minute": 20}
